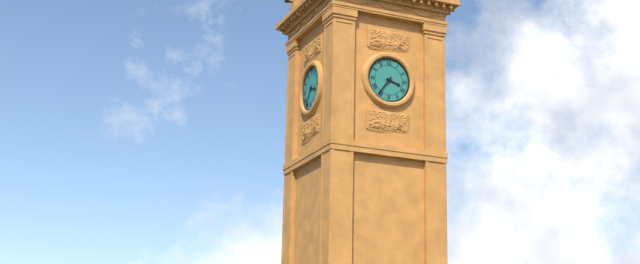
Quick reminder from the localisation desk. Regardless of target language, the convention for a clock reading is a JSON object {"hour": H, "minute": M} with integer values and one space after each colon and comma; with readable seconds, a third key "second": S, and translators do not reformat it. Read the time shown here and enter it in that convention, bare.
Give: {"hour": 3, "minute": 36}
